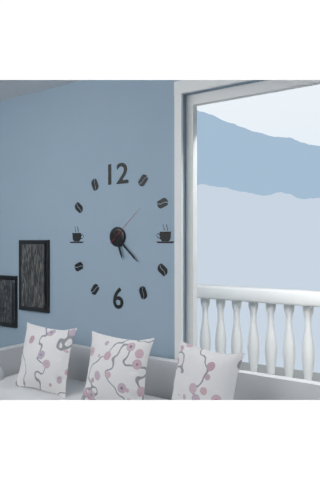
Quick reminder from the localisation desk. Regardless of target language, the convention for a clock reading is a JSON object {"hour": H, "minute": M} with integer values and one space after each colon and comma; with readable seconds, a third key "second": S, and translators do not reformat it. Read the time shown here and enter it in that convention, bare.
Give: {"hour": 5, "minute": 22}
